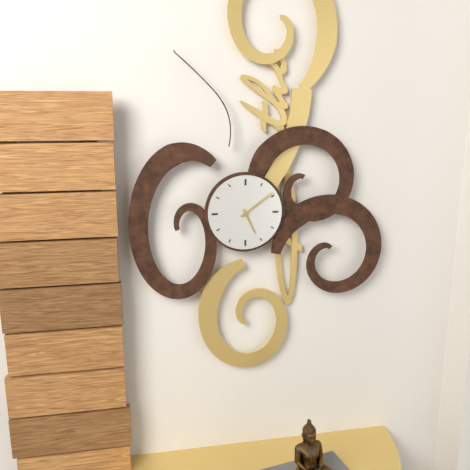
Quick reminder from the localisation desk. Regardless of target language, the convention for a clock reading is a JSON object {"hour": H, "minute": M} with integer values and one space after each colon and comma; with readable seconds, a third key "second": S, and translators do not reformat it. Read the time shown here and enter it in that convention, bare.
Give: {"hour": 5, "minute": 9}
